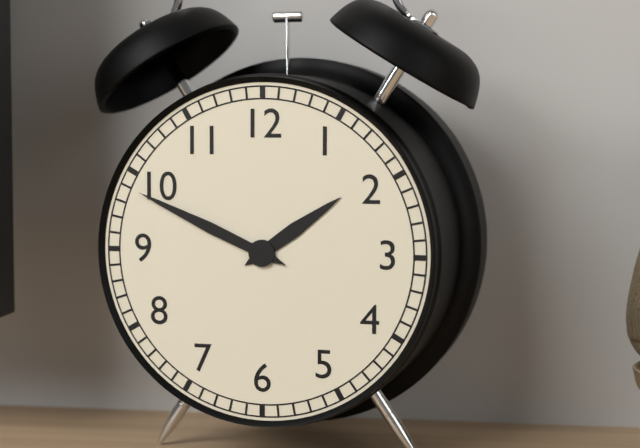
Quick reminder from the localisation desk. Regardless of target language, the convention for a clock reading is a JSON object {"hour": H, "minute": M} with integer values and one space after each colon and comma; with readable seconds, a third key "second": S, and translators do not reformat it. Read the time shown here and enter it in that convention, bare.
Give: {"hour": 1, "minute": 49}
